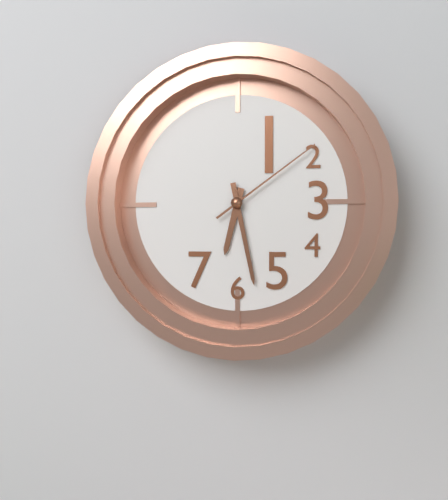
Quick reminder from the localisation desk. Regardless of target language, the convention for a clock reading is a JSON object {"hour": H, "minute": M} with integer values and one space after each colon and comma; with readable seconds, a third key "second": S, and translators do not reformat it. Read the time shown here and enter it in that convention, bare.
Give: {"hour": 6, "minute": 28, "second": 9}
